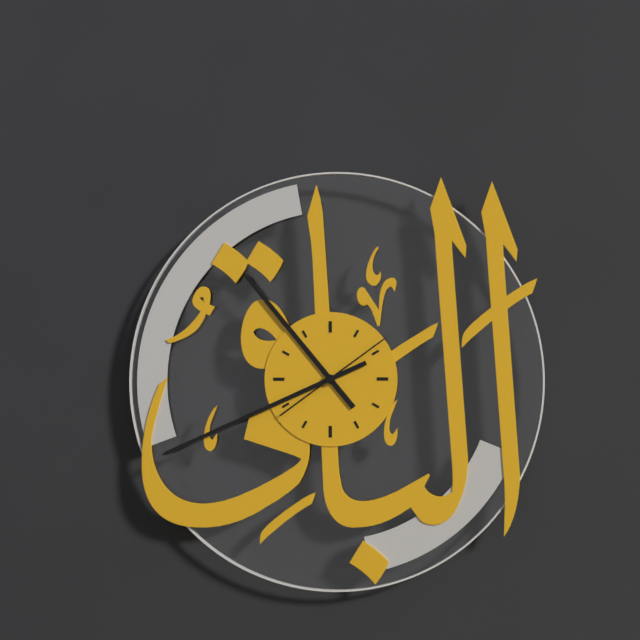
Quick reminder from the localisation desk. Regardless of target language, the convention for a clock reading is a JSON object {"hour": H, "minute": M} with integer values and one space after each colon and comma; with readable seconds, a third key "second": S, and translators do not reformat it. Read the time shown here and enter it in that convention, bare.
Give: {"hour": 10, "minute": 41, "second": 9}
